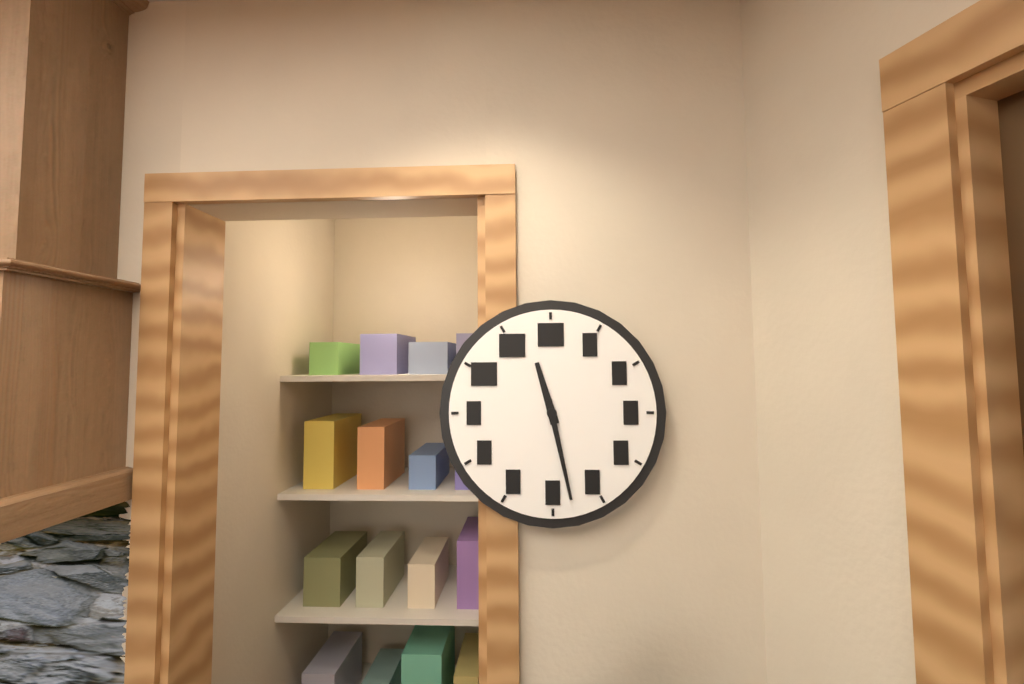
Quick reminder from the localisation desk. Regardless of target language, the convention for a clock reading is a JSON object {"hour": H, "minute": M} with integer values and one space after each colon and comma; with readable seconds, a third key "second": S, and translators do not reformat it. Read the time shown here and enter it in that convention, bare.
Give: {"hour": 11, "minute": 28}
